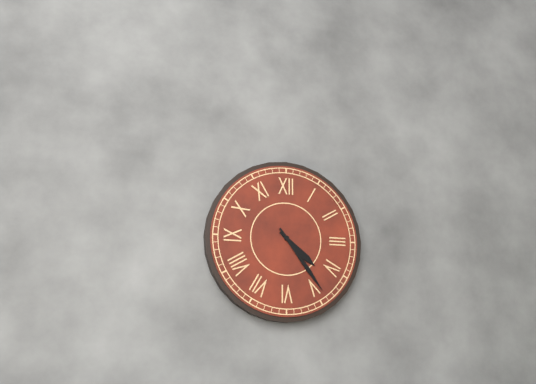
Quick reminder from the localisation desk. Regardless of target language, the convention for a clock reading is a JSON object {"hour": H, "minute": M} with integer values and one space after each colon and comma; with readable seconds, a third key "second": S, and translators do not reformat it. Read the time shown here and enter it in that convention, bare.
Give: {"hour": 4, "minute": 24}
